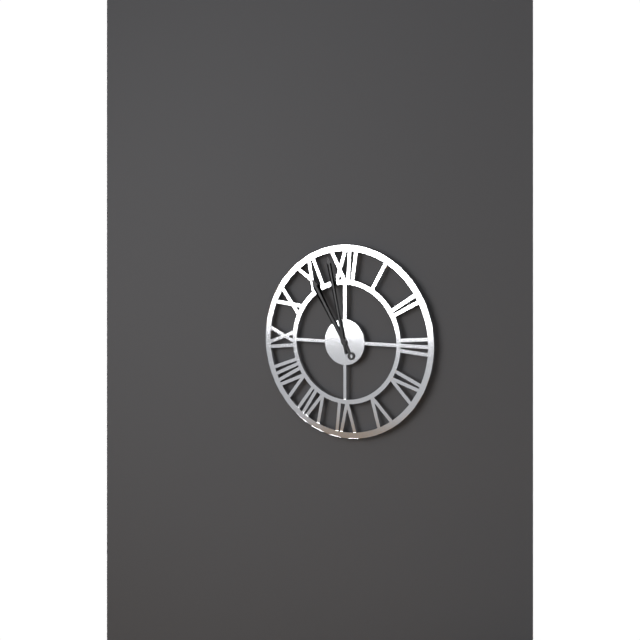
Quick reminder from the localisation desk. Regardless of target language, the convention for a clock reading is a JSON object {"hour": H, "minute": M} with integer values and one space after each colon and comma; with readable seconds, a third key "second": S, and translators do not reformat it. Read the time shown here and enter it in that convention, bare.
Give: {"hour": 10, "minute": 58}
